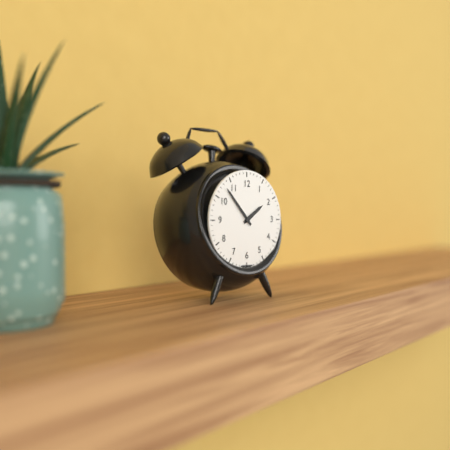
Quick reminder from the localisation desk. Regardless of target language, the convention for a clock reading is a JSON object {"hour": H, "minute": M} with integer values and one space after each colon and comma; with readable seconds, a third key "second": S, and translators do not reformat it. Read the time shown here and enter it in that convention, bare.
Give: {"hour": 1, "minute": 53}
